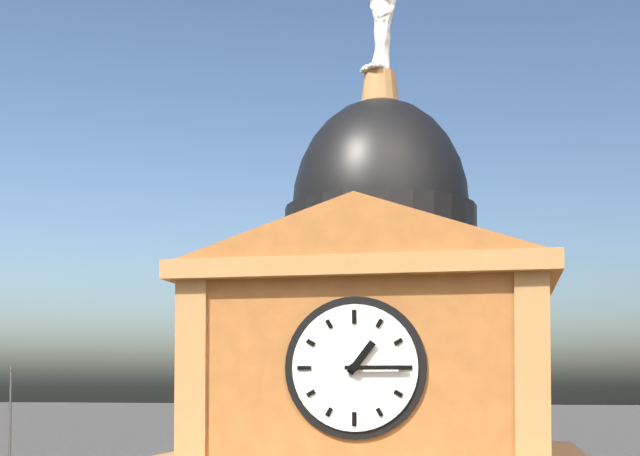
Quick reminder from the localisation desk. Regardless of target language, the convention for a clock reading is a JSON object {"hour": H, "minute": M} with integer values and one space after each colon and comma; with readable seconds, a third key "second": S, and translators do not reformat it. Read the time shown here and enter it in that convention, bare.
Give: {"hour": 1, "minute": 15}
